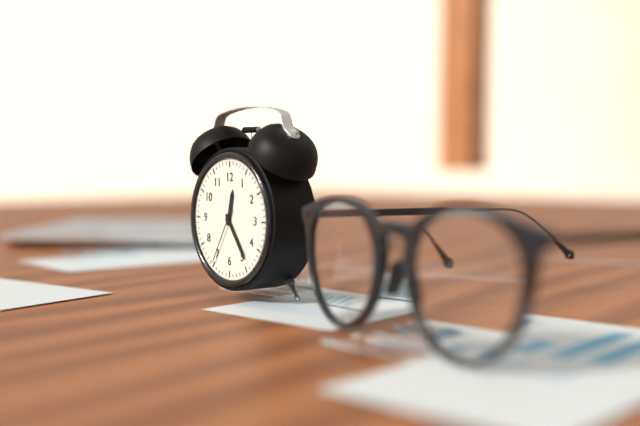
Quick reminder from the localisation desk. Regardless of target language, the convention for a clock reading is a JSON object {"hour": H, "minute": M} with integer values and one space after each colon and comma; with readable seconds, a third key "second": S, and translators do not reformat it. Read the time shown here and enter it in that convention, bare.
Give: {"hour": 12, "minute": 24, "second": 35}
